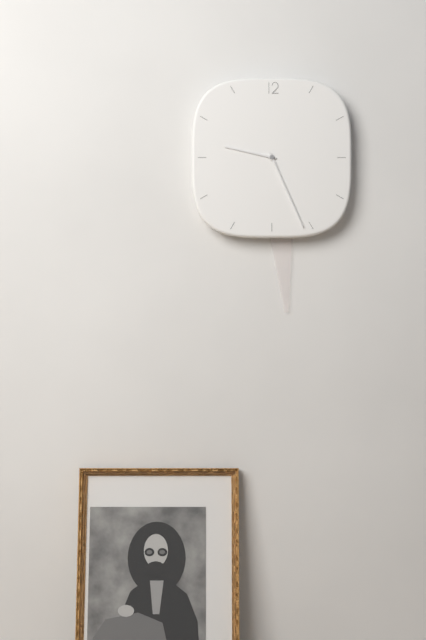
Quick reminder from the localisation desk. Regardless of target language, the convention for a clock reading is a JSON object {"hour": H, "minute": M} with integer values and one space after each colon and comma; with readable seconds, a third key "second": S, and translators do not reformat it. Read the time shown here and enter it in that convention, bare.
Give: {"hour": 9, "minute": 26}
